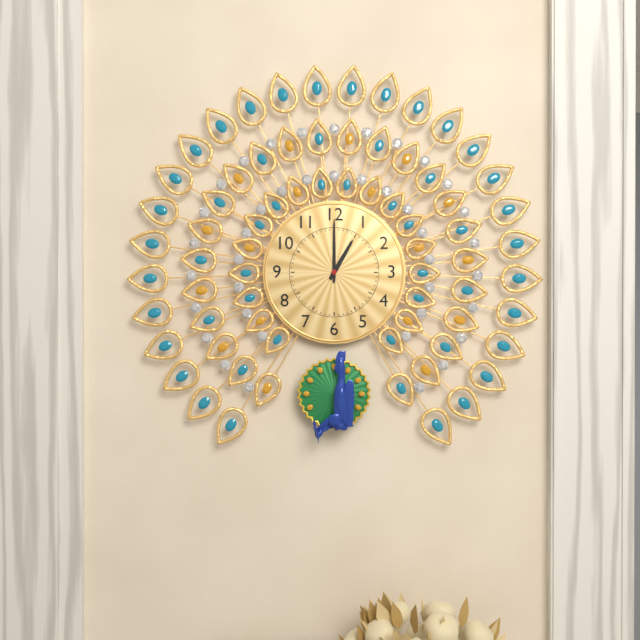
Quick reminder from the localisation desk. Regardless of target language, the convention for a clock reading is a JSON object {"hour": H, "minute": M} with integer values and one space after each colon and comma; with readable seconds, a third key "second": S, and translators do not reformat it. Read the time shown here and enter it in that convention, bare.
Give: {"hour": 1, "minute": 0}
